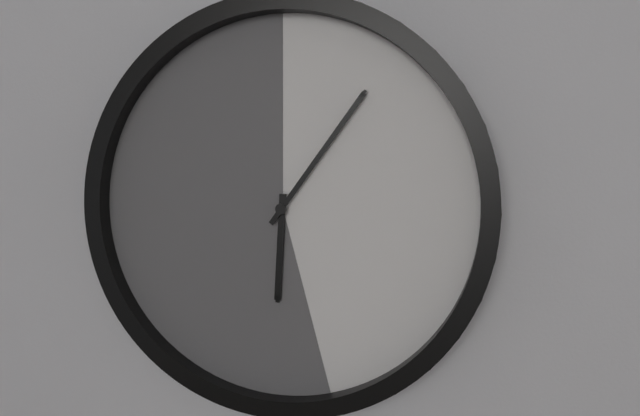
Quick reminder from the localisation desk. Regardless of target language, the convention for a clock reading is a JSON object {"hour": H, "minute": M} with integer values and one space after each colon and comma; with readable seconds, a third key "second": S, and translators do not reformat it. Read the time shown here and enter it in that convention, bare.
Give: {"hour": 6, "minute": 6}
